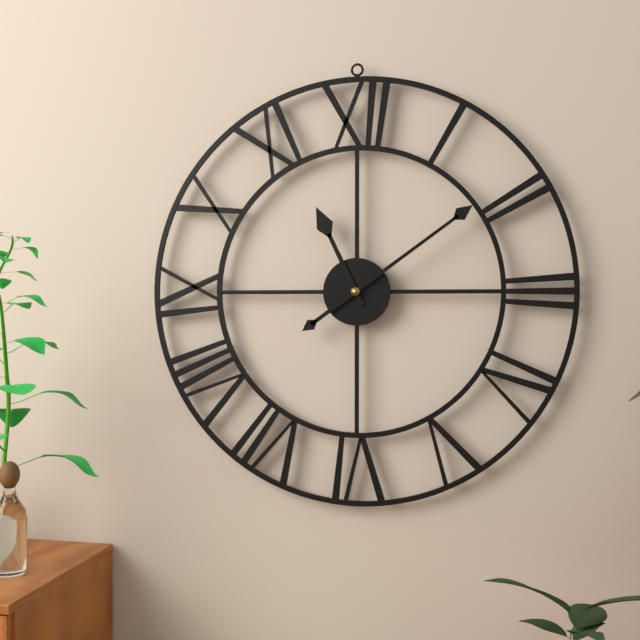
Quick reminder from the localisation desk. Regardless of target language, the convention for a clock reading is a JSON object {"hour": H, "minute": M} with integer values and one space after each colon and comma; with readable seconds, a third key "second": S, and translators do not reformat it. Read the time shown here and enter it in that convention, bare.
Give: {"hour": 11, "minute": 9}
